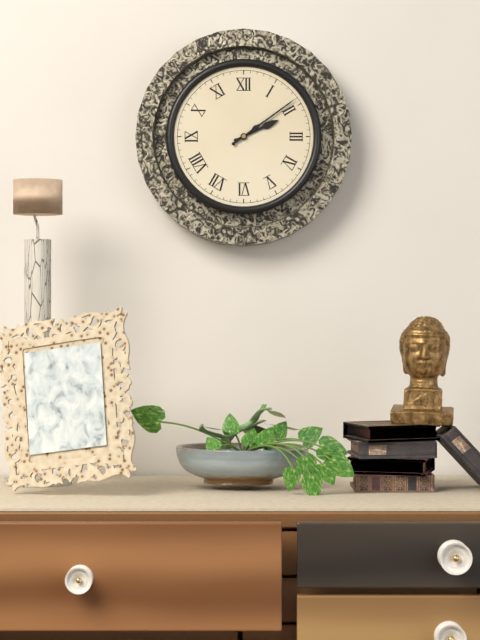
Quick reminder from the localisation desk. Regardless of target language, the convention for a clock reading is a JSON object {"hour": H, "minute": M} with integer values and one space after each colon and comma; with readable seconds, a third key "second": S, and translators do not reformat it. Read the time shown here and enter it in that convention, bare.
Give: {"hour": 2, "minute": 9}
